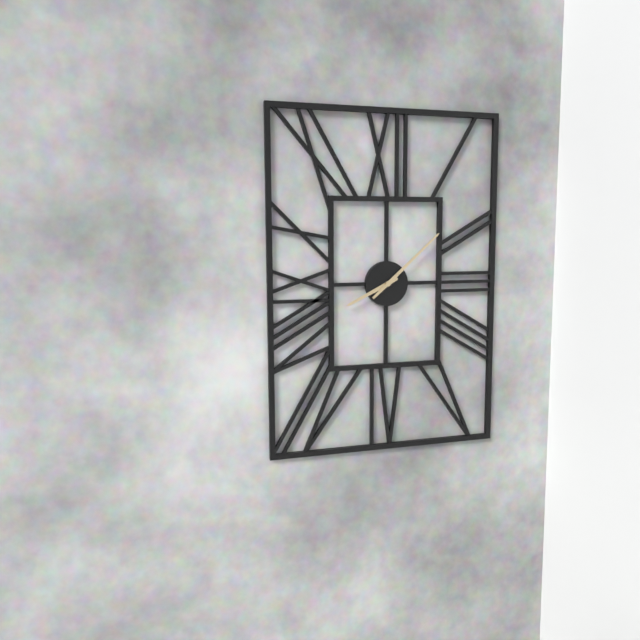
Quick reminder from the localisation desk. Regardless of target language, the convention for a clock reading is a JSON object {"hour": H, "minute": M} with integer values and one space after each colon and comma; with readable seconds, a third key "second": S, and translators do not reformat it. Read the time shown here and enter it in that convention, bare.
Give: {"hour": 8, "minute": 8}
